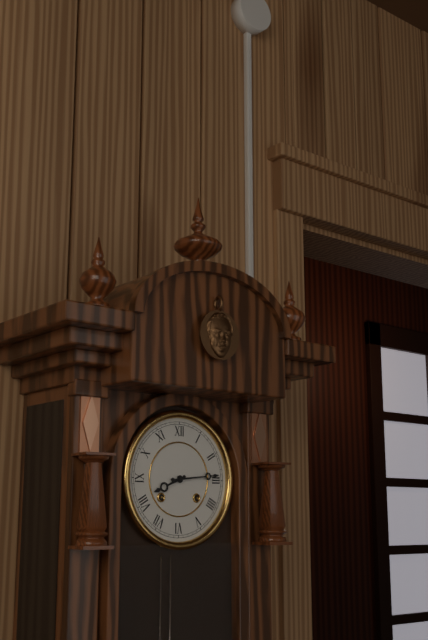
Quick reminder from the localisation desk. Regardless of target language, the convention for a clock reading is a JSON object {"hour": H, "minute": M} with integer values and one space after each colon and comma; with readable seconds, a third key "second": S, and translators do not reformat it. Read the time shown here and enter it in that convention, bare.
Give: {"hour": 8, "minute": 14}
